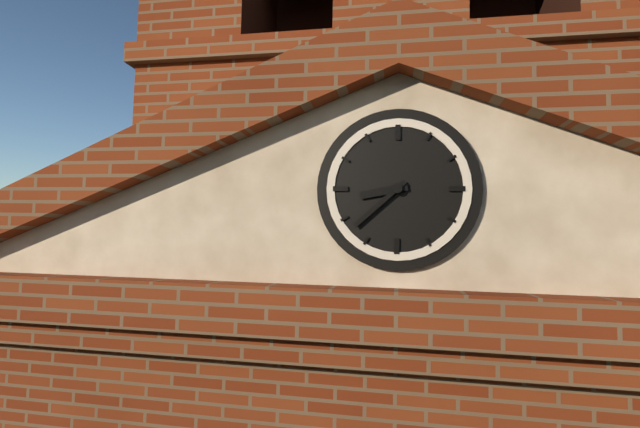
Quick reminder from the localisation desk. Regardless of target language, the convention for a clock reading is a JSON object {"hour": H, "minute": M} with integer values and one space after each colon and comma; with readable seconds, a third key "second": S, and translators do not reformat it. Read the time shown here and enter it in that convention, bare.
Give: {"hour": 8, "minute": 38}
